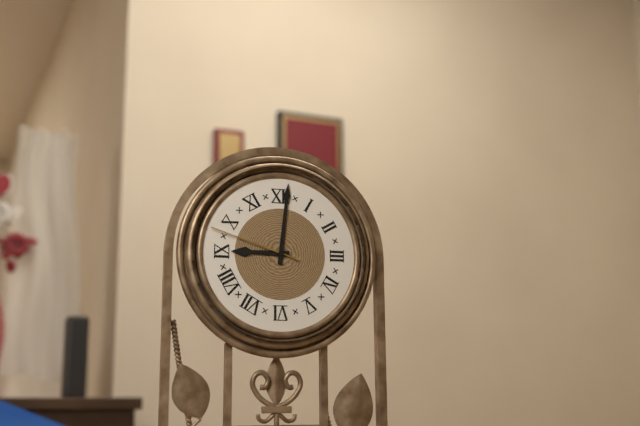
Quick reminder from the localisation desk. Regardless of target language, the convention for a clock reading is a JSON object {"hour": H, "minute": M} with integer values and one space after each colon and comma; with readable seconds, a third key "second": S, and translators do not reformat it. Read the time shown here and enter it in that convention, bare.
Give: {"hour": 9, "minute": 1, "second": 48}
